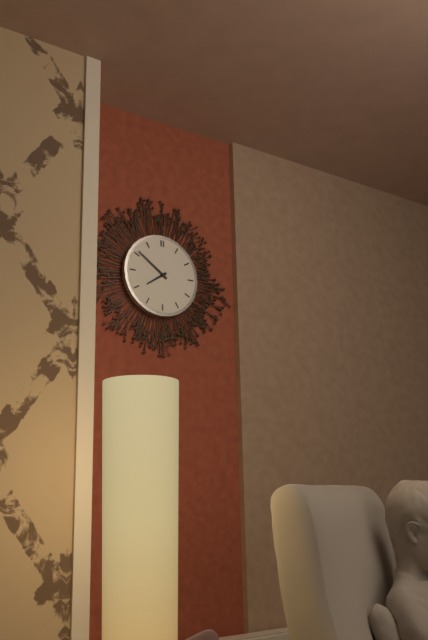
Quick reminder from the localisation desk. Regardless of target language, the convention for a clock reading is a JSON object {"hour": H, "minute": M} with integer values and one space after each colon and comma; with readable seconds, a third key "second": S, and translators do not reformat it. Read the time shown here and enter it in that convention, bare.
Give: {"hour": 7, "minute": 51}
